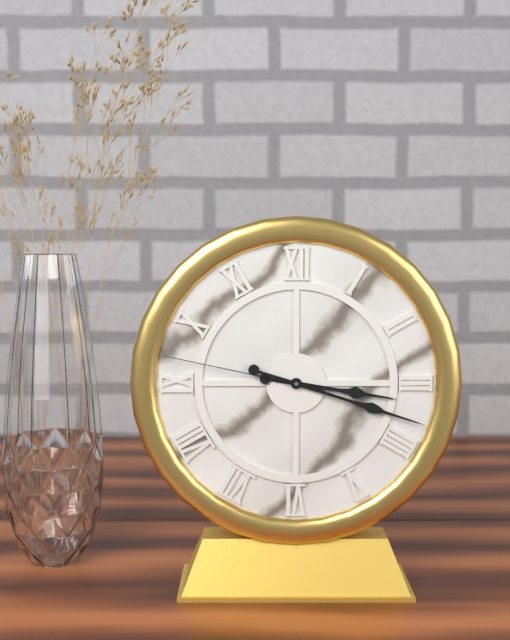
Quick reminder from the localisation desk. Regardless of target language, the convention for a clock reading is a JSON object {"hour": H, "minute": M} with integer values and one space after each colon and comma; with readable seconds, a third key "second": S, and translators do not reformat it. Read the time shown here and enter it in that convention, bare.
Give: {"hour": 3, "minute": 18, "second": 47}
